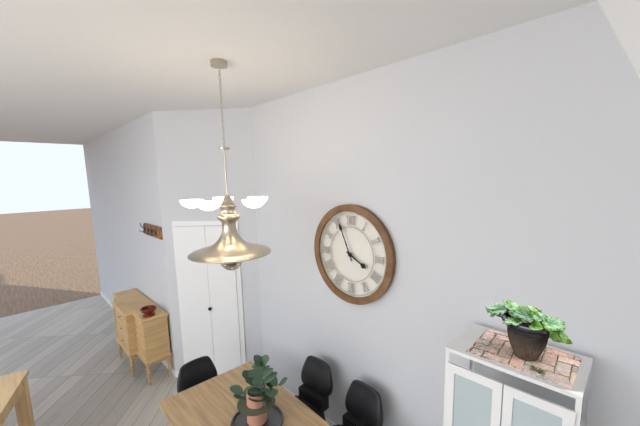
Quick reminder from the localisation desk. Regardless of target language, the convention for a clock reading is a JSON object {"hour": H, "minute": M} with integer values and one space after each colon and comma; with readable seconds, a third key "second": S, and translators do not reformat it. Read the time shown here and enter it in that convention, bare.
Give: {"hour": 3, "minute": 56}
